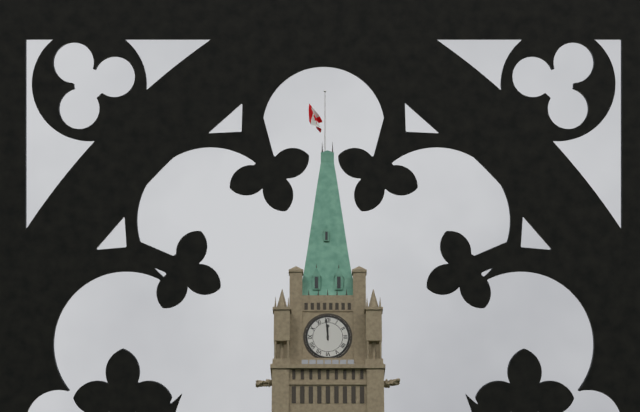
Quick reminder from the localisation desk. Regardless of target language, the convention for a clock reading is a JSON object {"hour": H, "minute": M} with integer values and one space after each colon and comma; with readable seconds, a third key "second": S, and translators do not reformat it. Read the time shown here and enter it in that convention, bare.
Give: {"hour": 11, "minute": 59}
